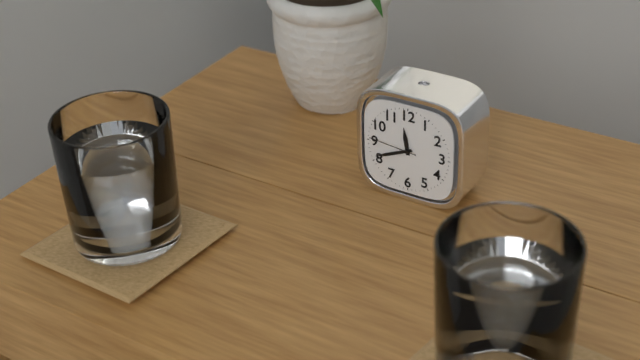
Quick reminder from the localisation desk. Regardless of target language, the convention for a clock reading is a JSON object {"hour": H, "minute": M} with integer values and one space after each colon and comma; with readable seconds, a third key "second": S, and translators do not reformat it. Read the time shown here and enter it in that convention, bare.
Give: {"hour": 11, "minute": 41, "second": 46}
